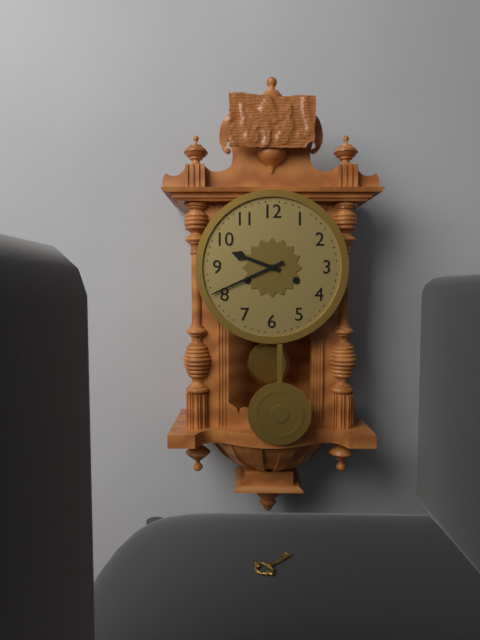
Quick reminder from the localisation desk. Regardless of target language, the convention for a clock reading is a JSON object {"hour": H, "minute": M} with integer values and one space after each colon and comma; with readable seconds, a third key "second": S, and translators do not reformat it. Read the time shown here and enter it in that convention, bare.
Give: {"hour": 9, "minute": 41}
